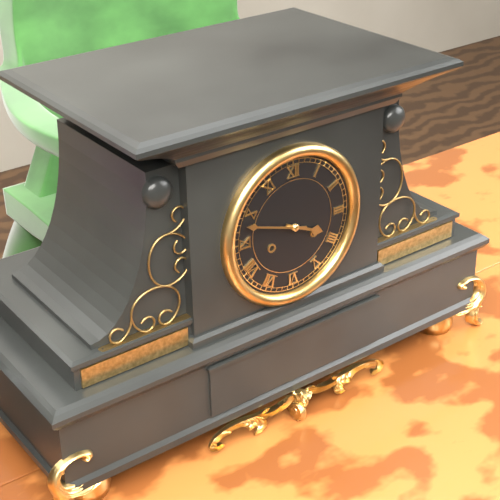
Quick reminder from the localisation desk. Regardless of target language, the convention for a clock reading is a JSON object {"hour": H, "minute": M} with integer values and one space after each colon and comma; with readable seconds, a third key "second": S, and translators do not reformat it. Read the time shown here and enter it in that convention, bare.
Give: {"hour": 3, "minute": 48}
